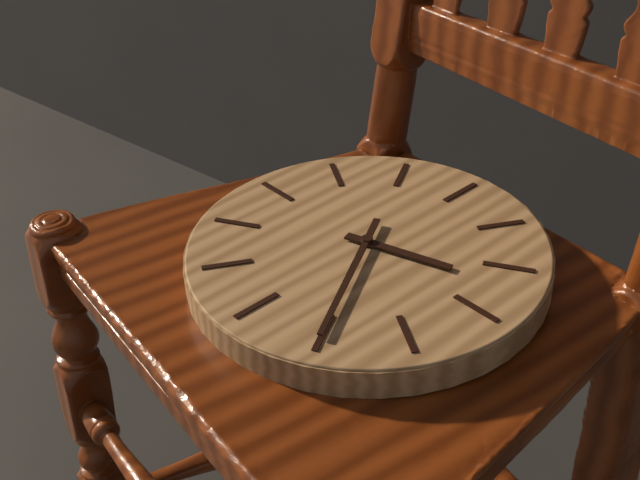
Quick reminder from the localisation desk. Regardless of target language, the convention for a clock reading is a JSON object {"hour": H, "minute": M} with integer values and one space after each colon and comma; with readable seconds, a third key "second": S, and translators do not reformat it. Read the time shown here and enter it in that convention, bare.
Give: {"hour": 2, "minute": 25}
